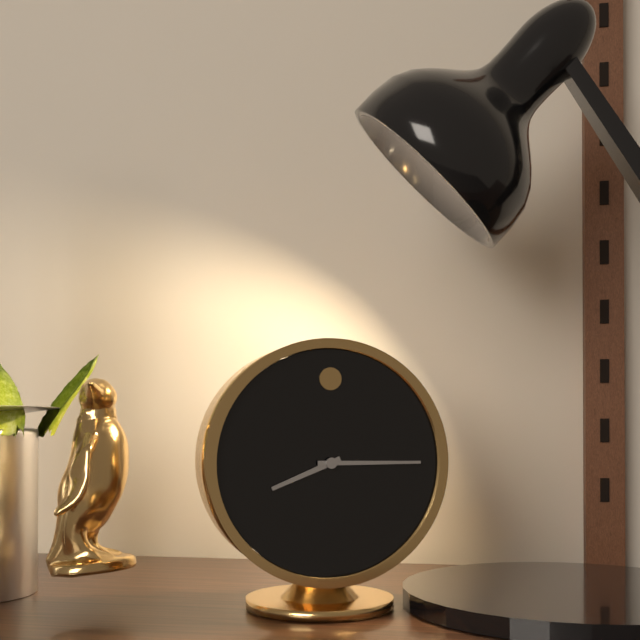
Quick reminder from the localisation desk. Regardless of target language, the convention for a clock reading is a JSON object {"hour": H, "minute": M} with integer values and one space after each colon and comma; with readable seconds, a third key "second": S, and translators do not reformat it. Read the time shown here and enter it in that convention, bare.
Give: {"hour": 8, "minute": 15}
